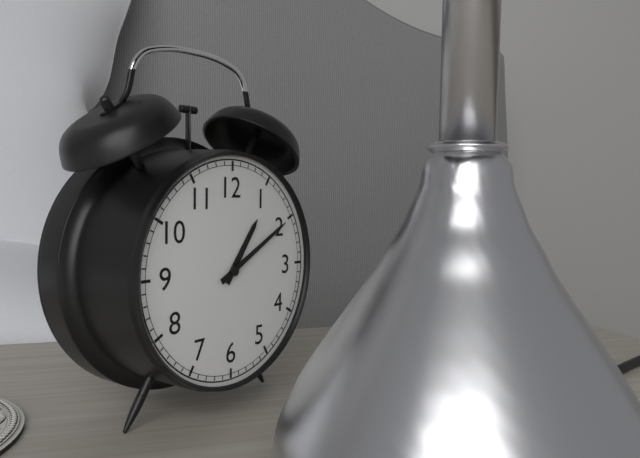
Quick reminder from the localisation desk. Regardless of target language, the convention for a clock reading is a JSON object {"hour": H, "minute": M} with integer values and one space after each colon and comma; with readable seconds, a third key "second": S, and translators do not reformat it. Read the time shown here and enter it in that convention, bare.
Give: {"hour": 1, "minute": 10}
